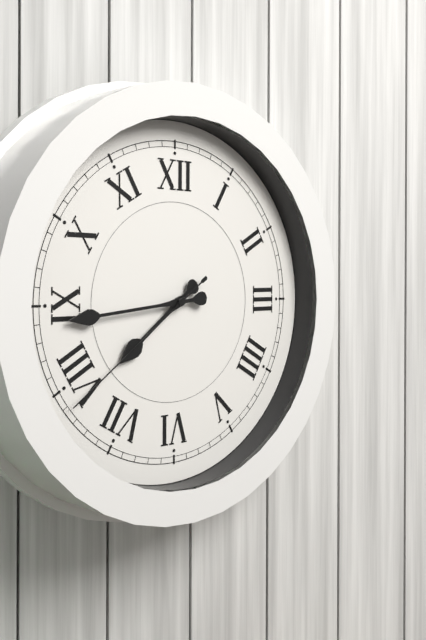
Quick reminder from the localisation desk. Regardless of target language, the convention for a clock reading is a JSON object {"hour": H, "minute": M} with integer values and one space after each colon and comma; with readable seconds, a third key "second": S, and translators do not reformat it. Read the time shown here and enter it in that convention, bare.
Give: {"hour": 7, "minute": 44, "second": 39}
